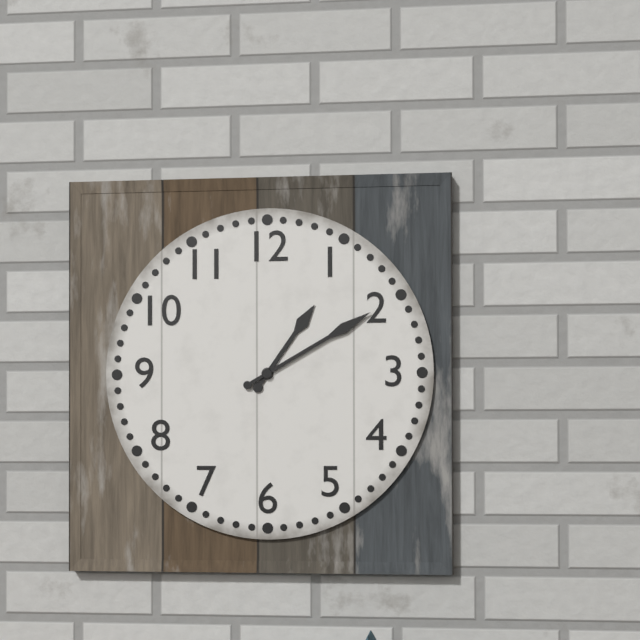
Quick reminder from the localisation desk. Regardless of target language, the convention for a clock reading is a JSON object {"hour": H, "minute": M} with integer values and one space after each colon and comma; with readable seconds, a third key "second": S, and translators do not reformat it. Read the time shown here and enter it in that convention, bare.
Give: {"hour": 1, "minute": 10}
